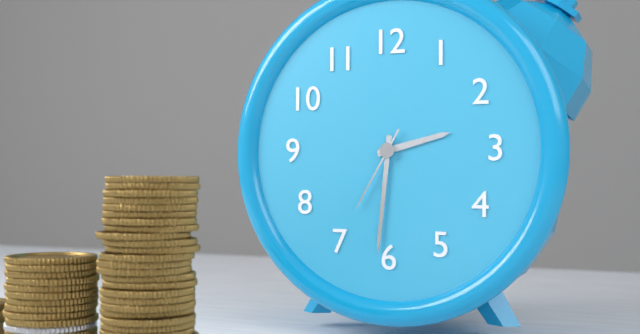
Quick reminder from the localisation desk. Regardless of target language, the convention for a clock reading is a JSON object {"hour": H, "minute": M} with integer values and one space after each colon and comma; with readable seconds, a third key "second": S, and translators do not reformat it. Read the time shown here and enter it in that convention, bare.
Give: {"hour": 2, "minute": 31, "second": 35}
